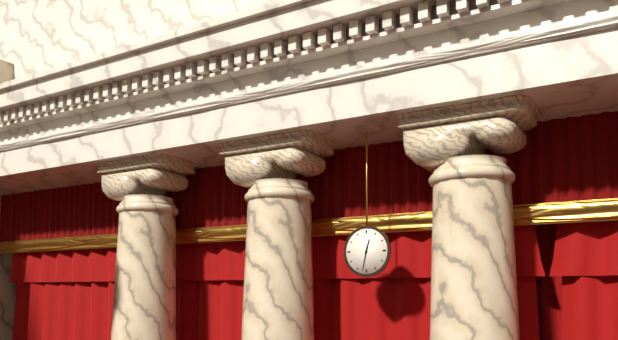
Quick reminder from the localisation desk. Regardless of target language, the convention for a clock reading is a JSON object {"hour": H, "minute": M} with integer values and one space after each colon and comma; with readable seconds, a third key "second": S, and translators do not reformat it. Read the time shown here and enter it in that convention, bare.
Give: {"hour": 12, "minute": 32}
